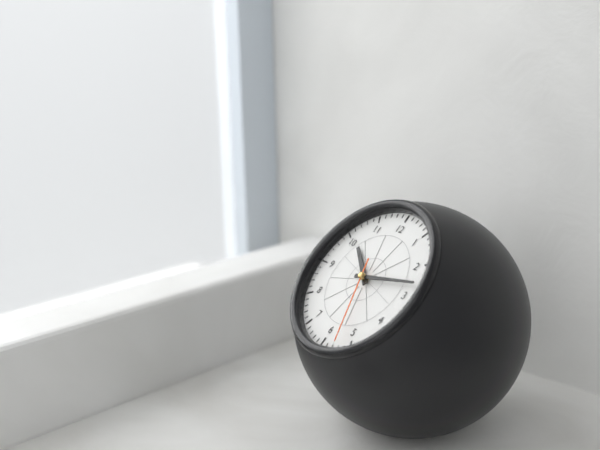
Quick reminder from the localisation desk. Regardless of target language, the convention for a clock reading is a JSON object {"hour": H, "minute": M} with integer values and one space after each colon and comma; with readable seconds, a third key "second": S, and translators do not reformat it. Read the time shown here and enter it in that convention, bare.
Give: {"hour": 10, "minute": 13, "second": 27}
